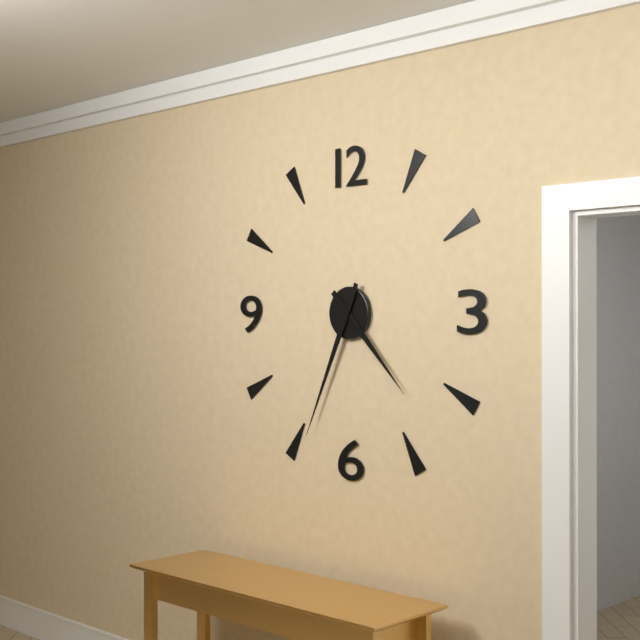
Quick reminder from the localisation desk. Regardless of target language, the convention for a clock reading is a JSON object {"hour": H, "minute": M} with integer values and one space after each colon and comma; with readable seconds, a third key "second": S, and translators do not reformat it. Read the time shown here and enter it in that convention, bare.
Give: {"hour": 4, "minute": 34}
